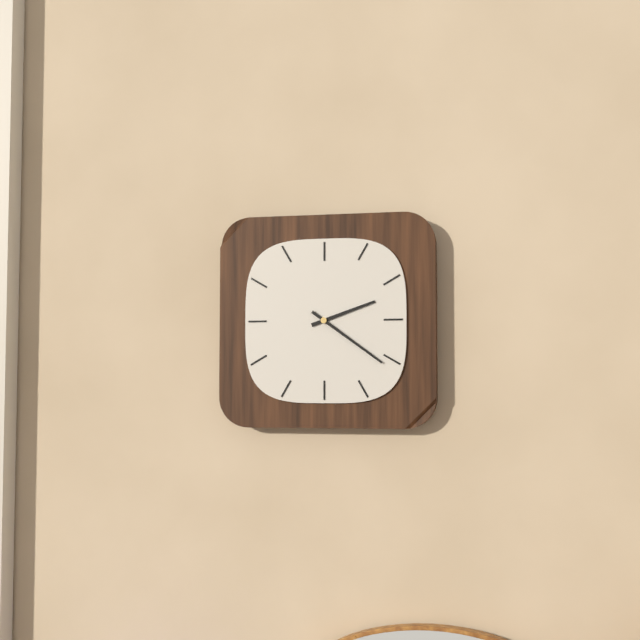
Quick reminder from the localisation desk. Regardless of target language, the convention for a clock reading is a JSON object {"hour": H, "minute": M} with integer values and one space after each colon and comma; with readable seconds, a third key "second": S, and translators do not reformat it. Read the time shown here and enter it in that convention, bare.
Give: {"hour": 2, "minute": 21}
